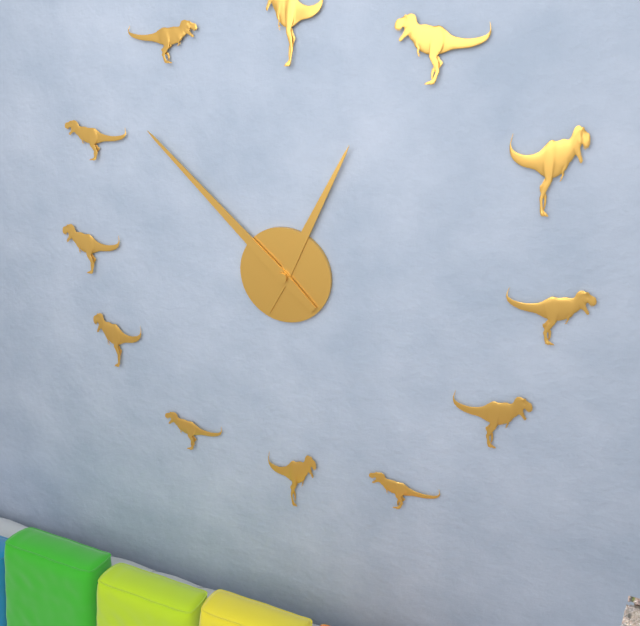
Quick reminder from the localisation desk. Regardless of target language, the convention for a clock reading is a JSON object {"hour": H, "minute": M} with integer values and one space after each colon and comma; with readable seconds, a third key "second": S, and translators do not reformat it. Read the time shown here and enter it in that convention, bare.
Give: {"hour": 12, "minute": 52}
